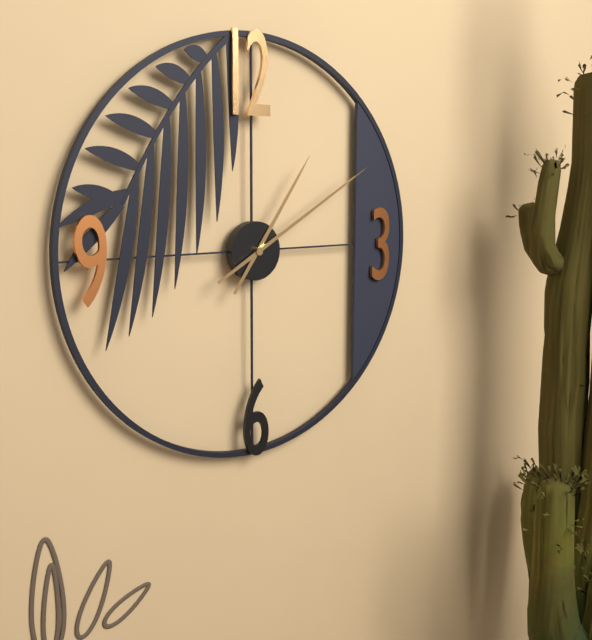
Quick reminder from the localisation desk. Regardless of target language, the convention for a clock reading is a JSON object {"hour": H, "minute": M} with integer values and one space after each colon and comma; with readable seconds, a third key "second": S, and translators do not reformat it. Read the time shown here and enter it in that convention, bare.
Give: {"hour": 1, "minute": 10}
